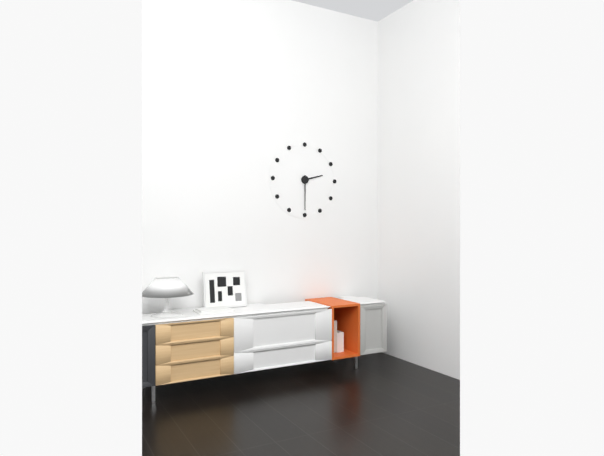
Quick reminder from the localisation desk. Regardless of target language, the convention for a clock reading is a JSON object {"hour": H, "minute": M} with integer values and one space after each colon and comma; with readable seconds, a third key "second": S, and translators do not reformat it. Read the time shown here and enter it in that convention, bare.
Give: {"hour": 2, "minute": 30}
